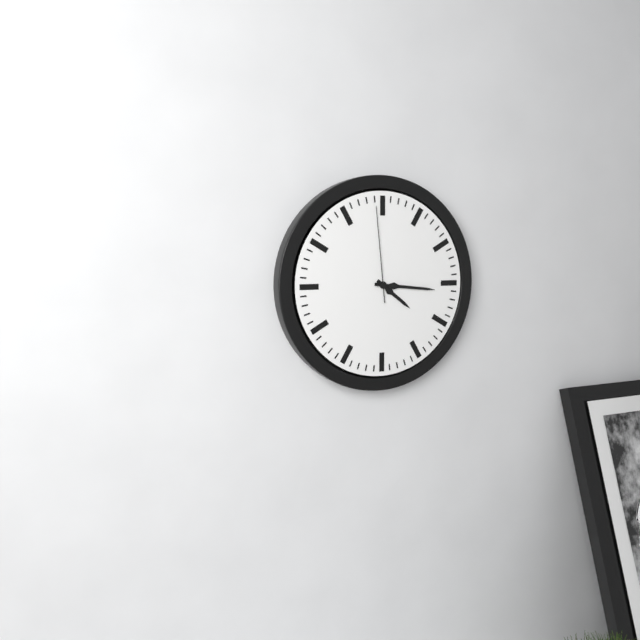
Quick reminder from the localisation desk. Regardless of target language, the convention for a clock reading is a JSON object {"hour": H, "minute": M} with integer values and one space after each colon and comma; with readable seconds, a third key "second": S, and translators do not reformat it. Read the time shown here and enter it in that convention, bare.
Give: {"hour": 4, "minute": 16, "second": 59}
